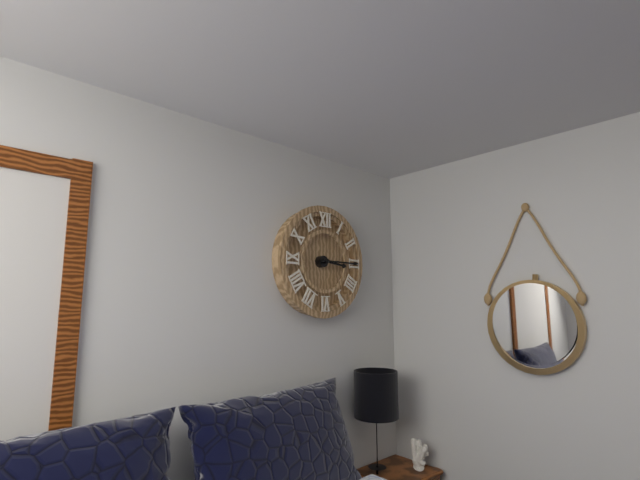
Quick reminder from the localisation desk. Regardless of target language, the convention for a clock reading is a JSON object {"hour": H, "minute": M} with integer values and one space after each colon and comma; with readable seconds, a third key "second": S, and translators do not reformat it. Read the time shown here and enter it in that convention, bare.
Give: {"hour": 3, "minute": 15}
